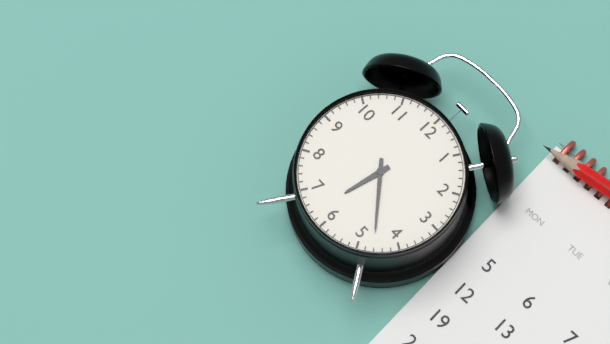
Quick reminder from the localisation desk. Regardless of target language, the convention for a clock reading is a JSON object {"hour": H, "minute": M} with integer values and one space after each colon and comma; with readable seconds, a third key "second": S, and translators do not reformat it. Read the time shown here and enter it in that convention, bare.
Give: {"hour": 6, "minute": 23}
